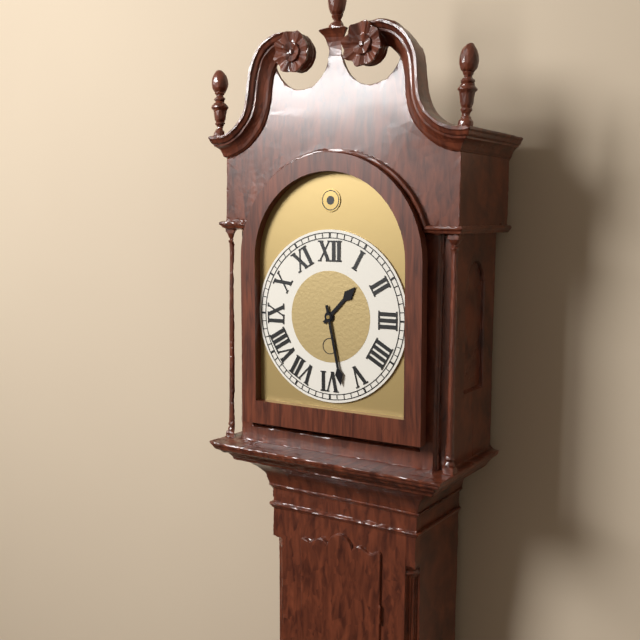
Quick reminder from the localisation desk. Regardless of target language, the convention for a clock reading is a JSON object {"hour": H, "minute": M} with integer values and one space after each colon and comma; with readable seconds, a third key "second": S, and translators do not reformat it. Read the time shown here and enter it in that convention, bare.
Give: {"hour": 1, "minute": 28}
